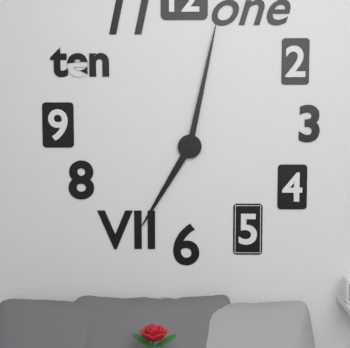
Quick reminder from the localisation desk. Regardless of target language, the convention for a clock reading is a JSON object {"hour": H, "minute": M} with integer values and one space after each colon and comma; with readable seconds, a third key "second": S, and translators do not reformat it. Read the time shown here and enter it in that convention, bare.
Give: {"hour": 7, "minute": 2}
